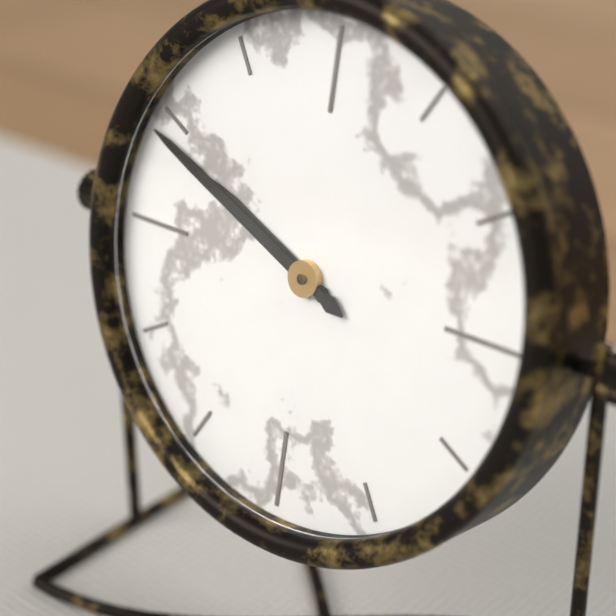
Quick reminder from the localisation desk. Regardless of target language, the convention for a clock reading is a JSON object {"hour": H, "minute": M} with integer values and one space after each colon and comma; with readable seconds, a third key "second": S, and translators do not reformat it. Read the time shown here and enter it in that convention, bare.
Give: {"hour": 9, "minute": 49}
